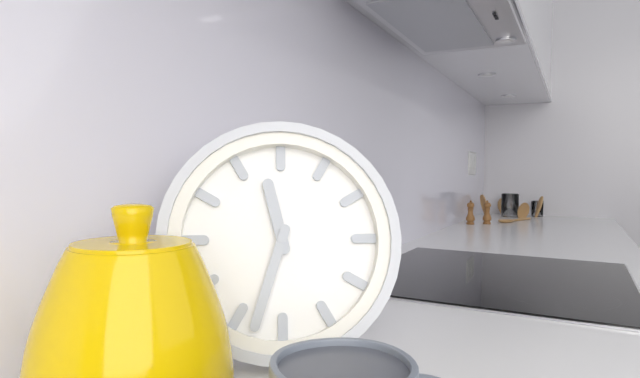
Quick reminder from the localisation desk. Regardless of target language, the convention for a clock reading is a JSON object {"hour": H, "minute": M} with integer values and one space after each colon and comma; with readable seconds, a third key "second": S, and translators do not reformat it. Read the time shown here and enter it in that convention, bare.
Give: {"hour": 11, "minute": 33}
